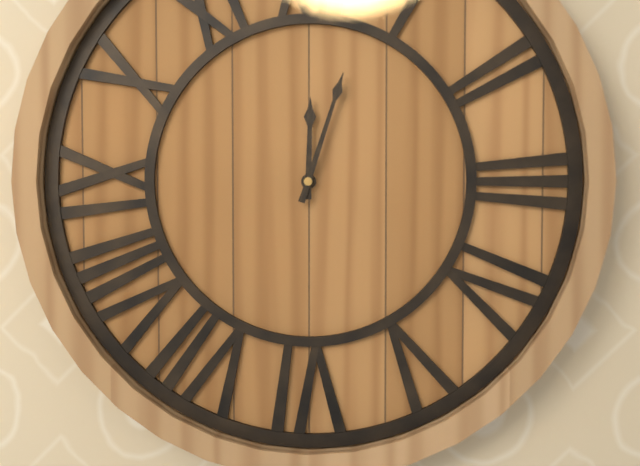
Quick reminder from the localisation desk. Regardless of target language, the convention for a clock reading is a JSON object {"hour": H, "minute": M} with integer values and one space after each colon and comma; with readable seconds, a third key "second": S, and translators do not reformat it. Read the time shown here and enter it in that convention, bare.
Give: {"hour": 12, "minute": 3}
